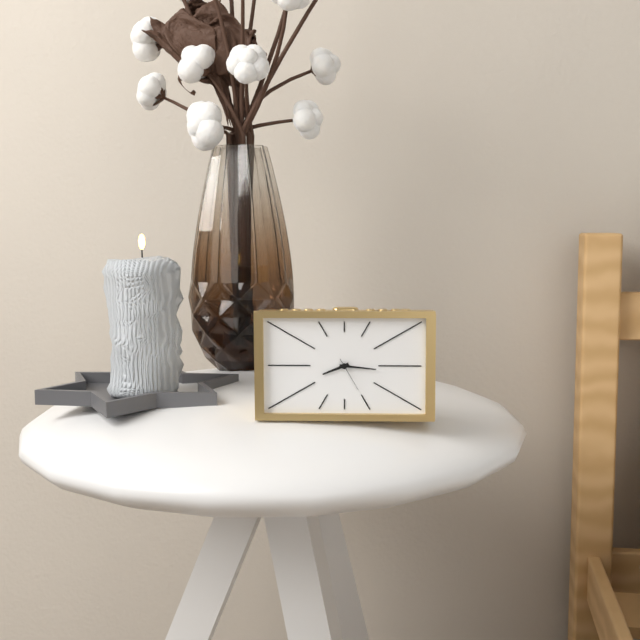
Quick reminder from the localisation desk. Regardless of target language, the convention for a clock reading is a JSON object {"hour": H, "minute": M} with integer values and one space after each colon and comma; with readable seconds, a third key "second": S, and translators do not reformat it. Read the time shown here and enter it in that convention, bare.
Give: {"hour": 8, "minute": 16}
